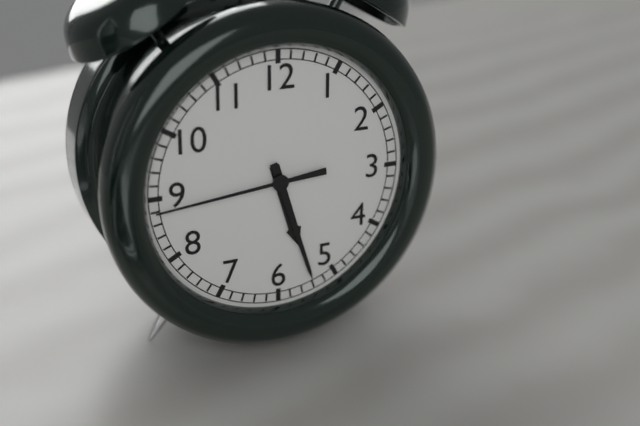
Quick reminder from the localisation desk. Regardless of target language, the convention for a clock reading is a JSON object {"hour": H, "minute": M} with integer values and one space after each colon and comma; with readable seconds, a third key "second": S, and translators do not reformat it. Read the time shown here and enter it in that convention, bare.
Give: {"hour": 5, "minute": 27, "second": 44}
